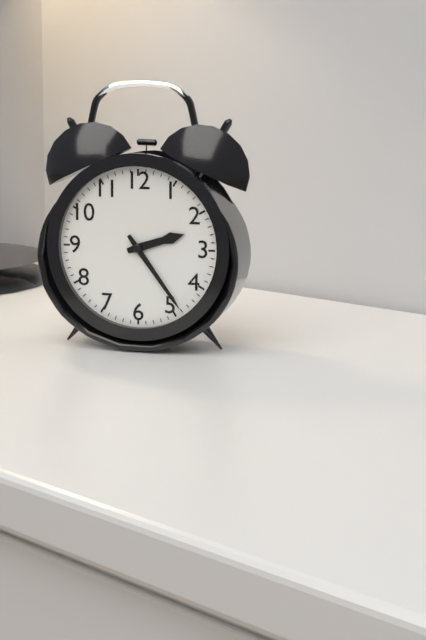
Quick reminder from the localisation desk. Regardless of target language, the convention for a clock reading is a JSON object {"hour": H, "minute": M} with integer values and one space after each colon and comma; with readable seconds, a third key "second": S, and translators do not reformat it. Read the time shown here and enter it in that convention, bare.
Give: {"hour": 2, "minute": 24}
